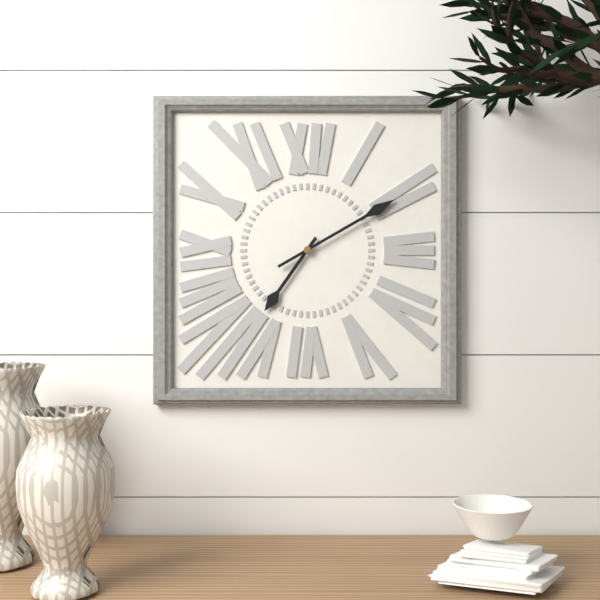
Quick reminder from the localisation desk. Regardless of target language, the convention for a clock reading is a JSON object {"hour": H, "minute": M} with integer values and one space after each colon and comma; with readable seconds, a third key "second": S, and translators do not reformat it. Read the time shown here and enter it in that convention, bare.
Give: {"hour": 7, "minute": 10}
